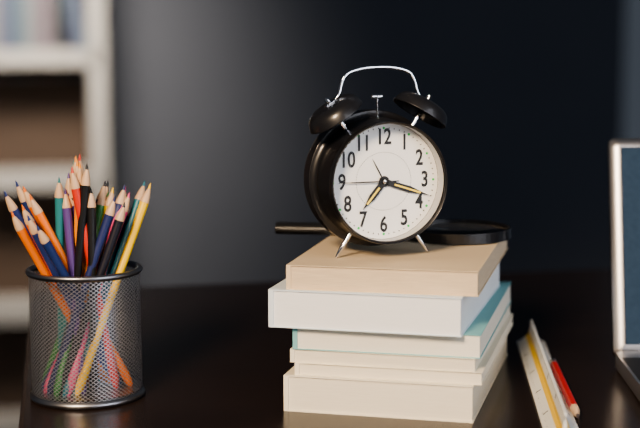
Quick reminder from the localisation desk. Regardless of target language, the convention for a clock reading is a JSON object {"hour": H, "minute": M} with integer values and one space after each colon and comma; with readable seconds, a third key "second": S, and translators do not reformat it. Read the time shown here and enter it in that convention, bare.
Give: {"hour": 7, "minute": 18, "second": 45}
